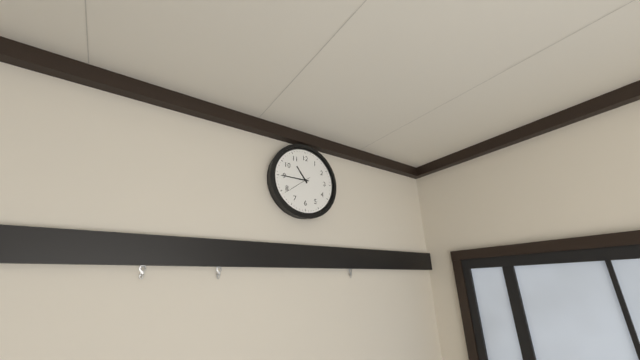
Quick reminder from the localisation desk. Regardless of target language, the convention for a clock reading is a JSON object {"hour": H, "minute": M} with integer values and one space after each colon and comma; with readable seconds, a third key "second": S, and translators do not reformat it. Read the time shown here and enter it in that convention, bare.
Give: {"hour": 10, "minute": 45}
